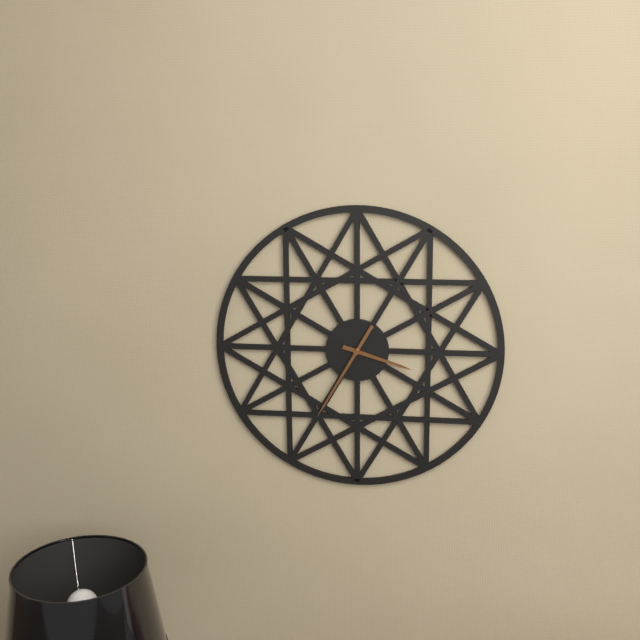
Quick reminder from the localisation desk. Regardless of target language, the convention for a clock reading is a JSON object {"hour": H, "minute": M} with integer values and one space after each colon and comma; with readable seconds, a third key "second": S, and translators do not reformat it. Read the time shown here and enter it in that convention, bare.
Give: {"hour": 3, "minute": 35}
